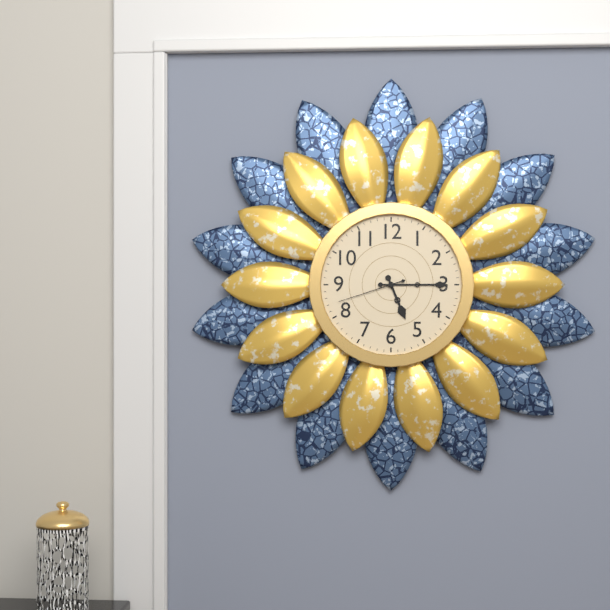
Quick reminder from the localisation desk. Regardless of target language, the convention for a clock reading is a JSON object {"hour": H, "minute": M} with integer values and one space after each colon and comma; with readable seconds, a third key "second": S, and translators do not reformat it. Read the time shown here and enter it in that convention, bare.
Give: {"hour": 5, "minute": 15, "second": 42}
